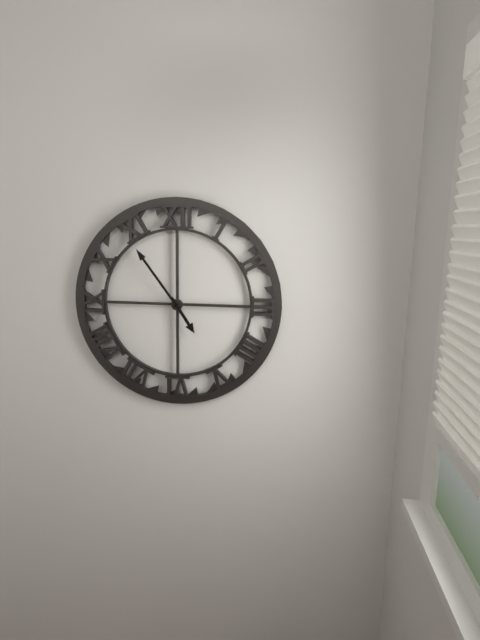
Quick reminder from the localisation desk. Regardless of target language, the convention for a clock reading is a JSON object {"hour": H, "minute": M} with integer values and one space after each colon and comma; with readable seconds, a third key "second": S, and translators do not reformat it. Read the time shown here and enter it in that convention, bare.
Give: {"hour": 4, "minute": 54}
